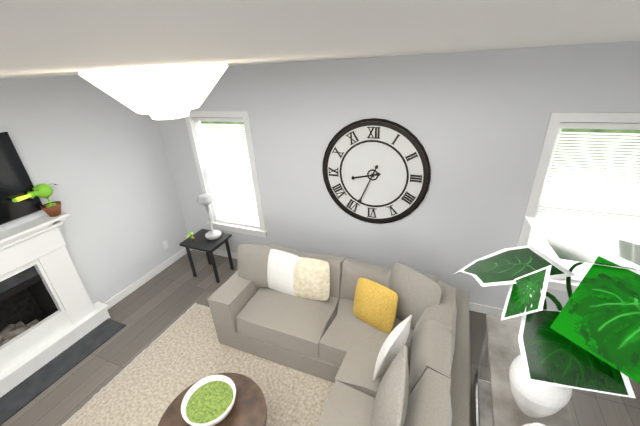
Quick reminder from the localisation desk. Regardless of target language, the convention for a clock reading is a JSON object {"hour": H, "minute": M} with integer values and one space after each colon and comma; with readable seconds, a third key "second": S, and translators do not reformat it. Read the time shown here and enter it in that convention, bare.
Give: {"hour": 8, "minute": 34}
